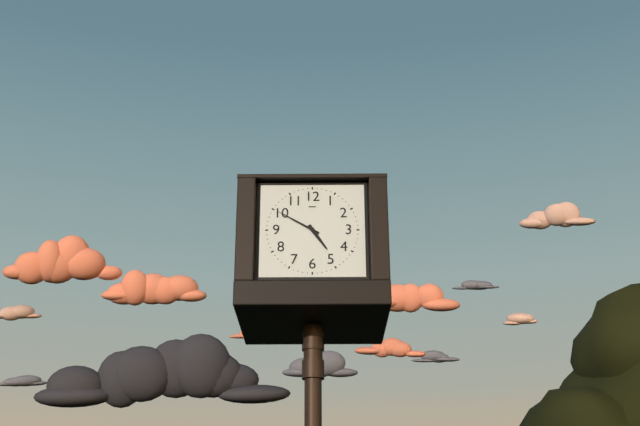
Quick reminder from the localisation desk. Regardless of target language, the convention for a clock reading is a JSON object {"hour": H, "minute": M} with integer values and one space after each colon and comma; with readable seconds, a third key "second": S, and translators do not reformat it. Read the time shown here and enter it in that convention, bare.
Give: {"hour": 4, "minute": 50}
